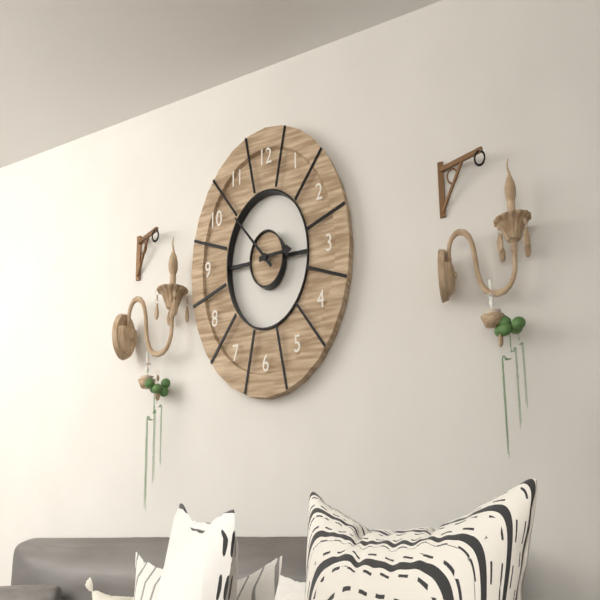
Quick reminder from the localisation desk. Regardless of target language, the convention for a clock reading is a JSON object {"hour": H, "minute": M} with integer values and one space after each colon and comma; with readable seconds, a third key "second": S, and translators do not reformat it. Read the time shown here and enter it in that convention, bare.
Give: {"hour": 2, "minute": 52}
